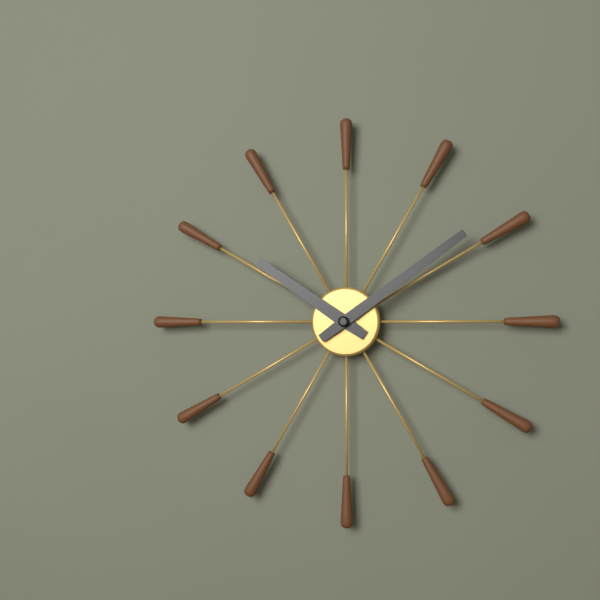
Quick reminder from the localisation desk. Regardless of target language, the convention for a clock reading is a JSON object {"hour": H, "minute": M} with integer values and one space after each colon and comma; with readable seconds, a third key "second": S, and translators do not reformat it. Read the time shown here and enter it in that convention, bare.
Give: {"hour": 10, "minute": 9}
